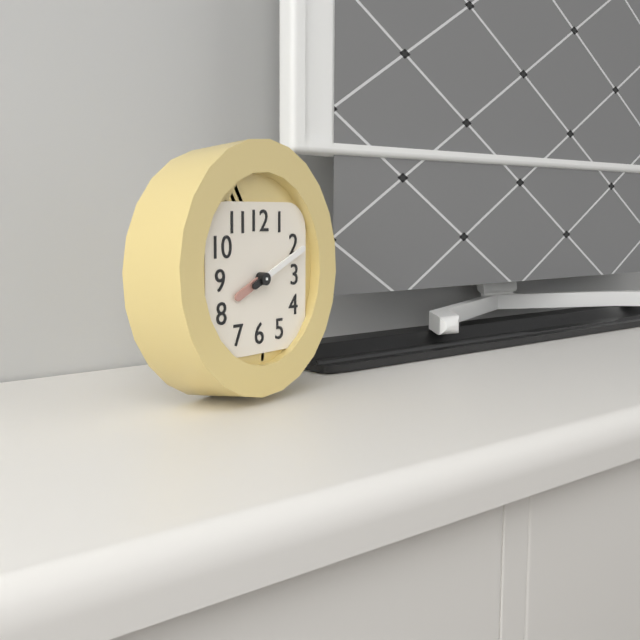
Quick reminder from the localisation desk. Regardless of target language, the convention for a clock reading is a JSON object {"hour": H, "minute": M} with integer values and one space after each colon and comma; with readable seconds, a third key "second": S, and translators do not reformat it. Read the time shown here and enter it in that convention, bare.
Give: {"hour": 8, "minute": 11}
